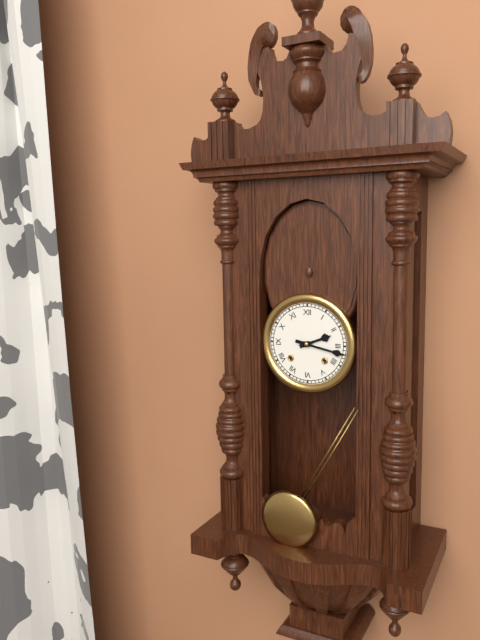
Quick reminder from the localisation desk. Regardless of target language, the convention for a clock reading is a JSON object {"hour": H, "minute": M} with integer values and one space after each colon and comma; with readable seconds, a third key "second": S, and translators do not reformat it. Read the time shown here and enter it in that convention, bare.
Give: {"hour": 2, "minute": 17}
